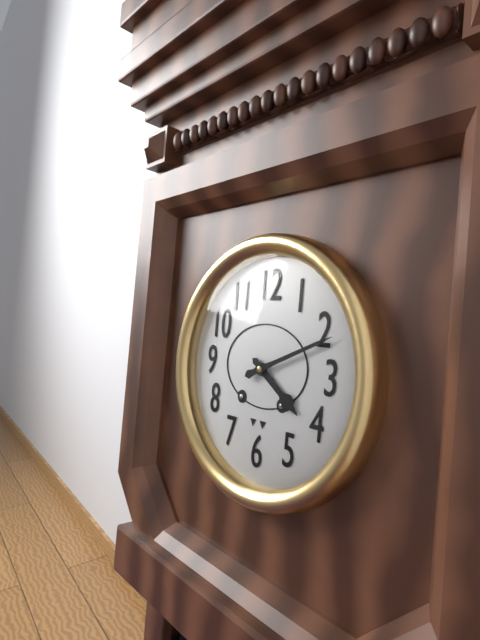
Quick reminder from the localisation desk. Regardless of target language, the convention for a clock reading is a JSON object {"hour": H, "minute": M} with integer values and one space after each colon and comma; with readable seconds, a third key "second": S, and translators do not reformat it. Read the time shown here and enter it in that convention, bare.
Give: {"hour": 4, "minute": 11}
